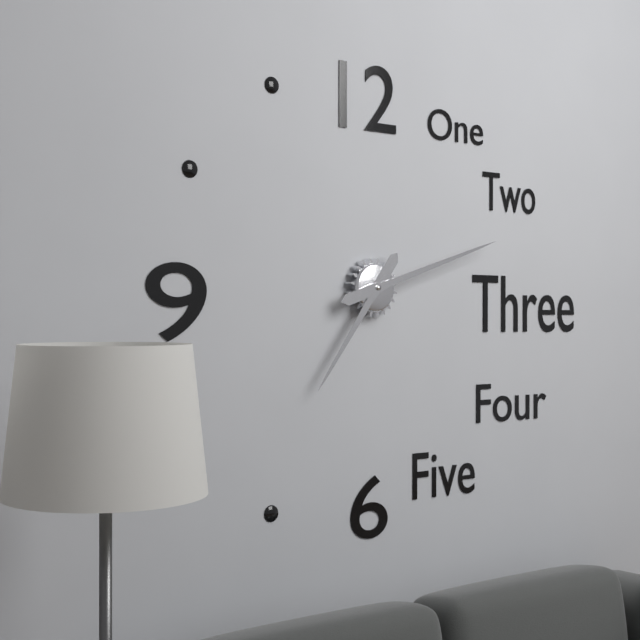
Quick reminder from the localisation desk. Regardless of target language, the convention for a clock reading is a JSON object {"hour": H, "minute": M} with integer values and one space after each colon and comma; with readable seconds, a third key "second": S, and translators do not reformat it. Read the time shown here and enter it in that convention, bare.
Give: {"hour": 7, "minute": 12}
